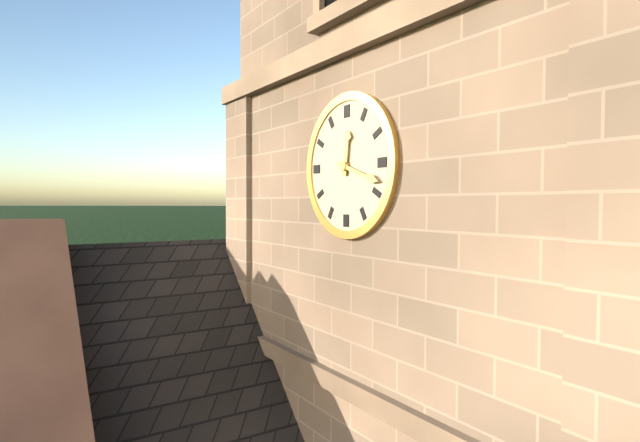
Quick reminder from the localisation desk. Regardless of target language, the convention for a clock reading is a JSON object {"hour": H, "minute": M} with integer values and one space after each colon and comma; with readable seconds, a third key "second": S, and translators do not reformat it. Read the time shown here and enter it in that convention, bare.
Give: {"hour": 12, "minute": 18}
